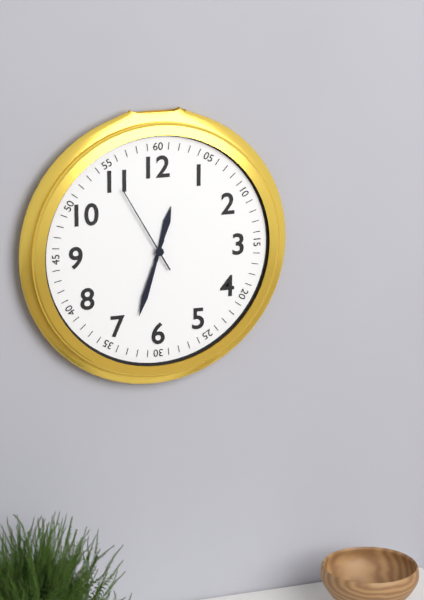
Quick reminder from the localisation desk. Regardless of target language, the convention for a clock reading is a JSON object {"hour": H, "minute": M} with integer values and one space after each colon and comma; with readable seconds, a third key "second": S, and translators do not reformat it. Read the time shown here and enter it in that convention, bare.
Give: {"hour": 12, "minute": 33, "second": 55}
